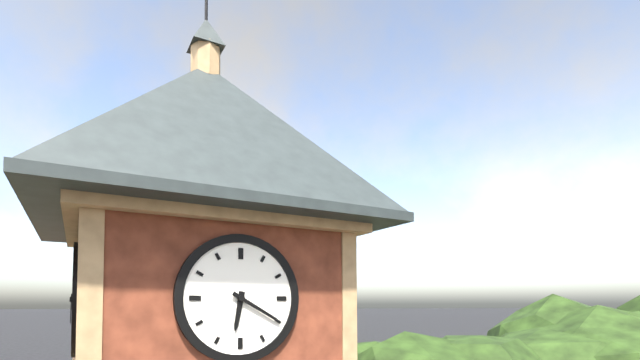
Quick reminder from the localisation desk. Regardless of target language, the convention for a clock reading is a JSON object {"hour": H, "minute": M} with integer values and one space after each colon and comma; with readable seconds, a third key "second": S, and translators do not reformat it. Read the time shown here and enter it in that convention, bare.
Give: {"hour": 6, "minute": 20}
